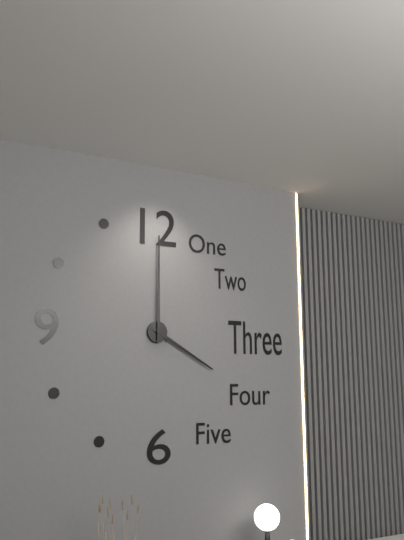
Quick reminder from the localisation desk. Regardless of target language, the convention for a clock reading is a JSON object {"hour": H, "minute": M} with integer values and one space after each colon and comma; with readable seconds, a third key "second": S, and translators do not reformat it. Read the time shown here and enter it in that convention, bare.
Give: {"hour": 4, "minute": 0}
